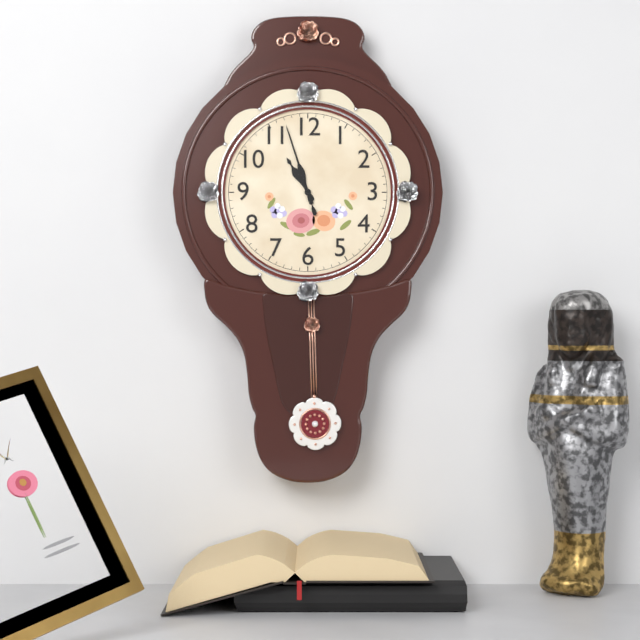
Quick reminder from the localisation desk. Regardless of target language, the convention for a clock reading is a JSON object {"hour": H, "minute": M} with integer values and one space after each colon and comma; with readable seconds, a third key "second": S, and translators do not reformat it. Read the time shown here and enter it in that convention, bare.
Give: {"hour": 10, "minute": 57, "second": 57}
